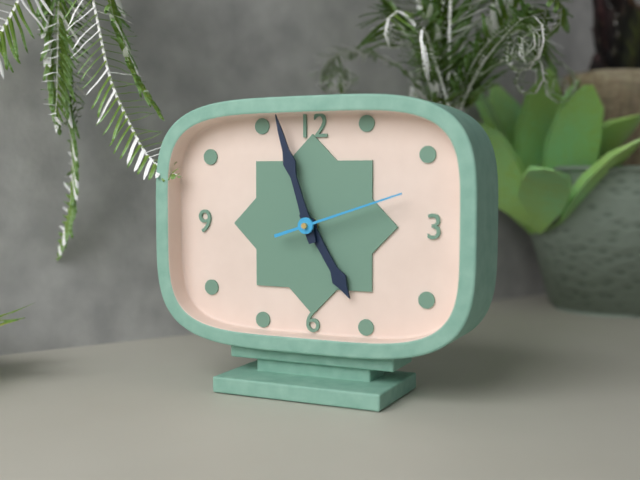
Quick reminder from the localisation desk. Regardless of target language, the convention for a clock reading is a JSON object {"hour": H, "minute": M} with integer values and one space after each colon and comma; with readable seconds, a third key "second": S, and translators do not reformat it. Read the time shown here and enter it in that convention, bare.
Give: {"hour": 4, "minute": 57, "second": 12}
